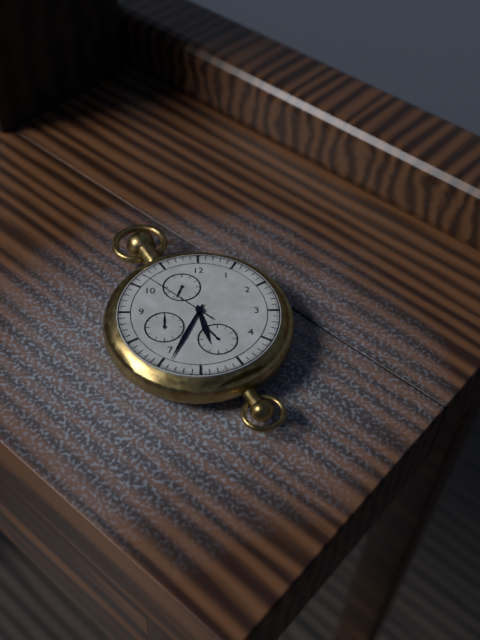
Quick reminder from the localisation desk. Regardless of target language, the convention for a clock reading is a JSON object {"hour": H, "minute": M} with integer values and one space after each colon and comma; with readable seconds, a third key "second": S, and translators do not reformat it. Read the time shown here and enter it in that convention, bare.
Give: {"hour": 5, "minute": 34, "second": 52}
